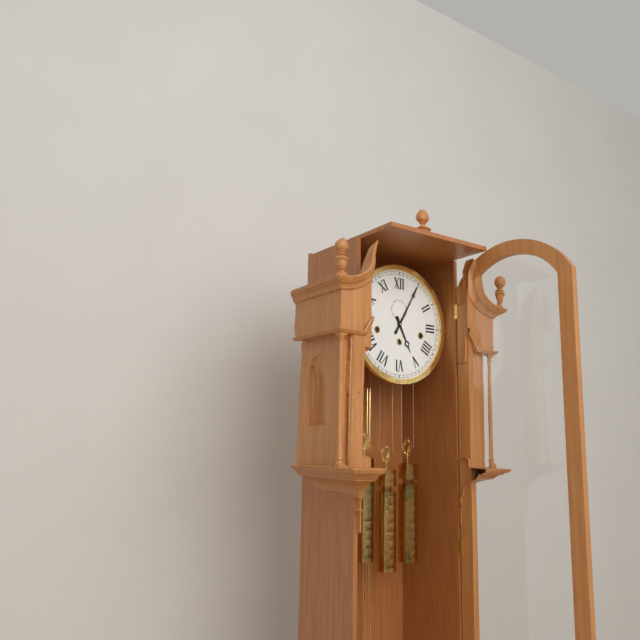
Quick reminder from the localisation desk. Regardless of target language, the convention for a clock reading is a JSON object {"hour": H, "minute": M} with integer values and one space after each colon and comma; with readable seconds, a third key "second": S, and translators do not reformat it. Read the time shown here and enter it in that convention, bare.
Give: {"hour": 5, "minute": 5}
